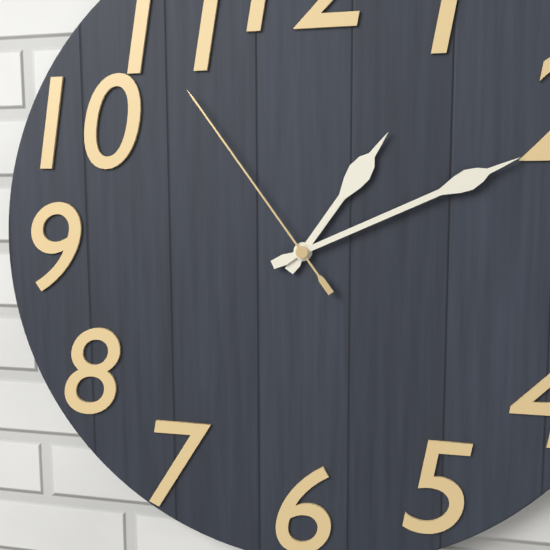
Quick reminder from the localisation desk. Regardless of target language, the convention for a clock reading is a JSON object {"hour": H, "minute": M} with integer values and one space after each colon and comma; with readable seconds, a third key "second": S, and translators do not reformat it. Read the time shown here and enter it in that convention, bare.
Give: {"hour": 1, "minute": 11, "second": 54}
